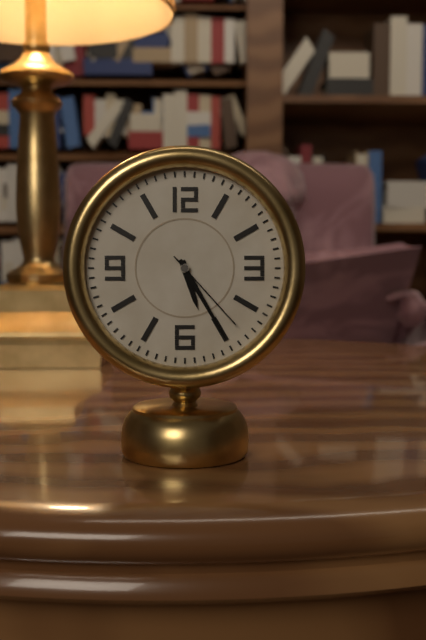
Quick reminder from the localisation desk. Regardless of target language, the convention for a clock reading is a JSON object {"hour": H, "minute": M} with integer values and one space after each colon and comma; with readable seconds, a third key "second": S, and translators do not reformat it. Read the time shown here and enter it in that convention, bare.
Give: {"hour": 5, "minute": 25, "second": 23}
